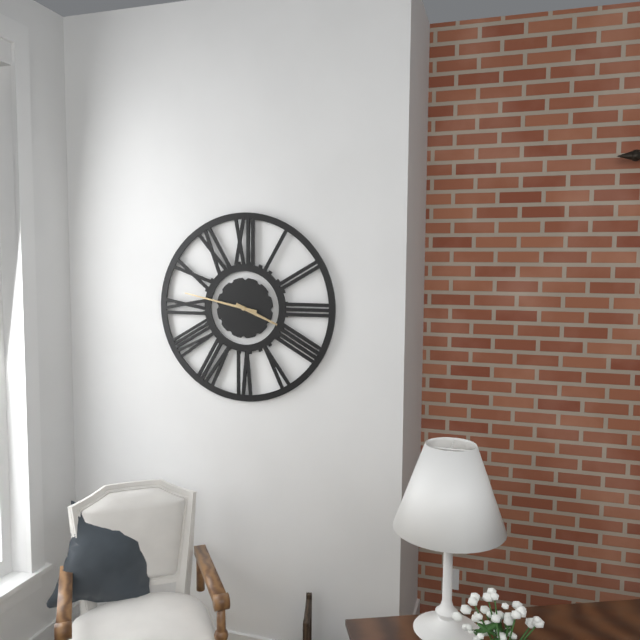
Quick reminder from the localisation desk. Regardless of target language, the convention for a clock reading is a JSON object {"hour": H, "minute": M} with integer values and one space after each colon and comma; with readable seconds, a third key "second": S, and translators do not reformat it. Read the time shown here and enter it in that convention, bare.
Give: {"hour": 3, "minute": 47}
